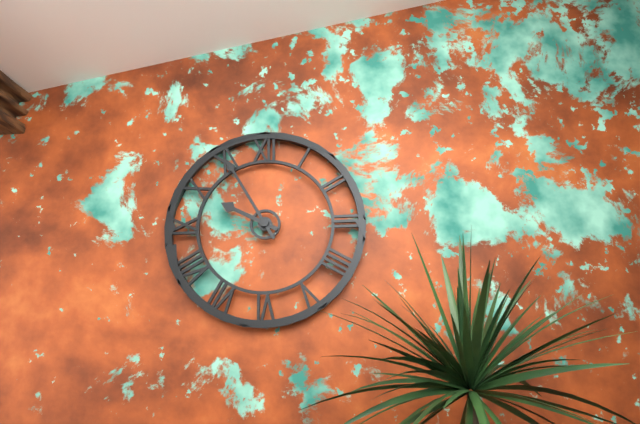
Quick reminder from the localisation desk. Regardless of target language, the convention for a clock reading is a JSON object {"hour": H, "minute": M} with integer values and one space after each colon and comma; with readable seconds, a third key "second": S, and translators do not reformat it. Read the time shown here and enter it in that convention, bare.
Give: {"hour": 9, "minute": 55}
